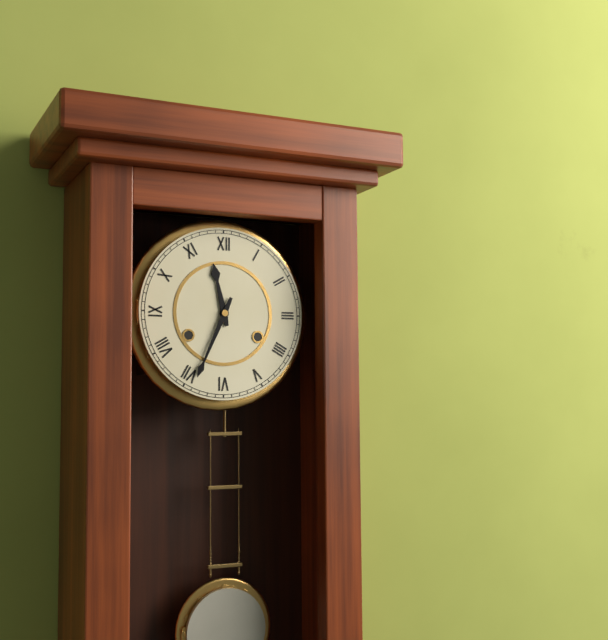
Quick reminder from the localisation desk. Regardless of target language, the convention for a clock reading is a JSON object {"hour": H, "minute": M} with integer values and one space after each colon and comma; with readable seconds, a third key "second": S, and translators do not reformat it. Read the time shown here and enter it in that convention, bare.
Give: {"hour": 11, "minute": 34}
